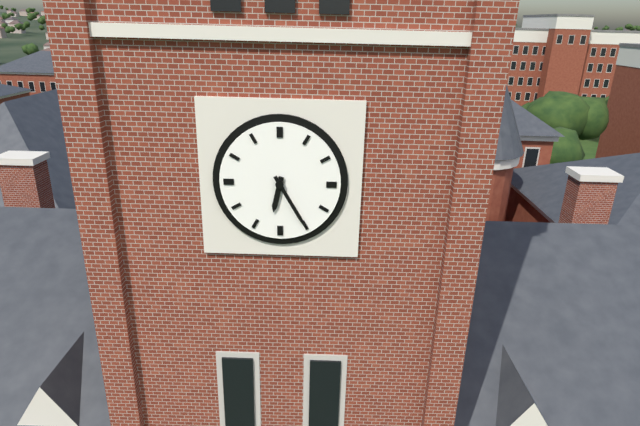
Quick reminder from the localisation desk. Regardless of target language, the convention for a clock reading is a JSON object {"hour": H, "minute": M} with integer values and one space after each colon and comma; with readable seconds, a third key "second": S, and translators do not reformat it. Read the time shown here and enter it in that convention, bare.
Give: {"hour": 6, "minute": 25}
